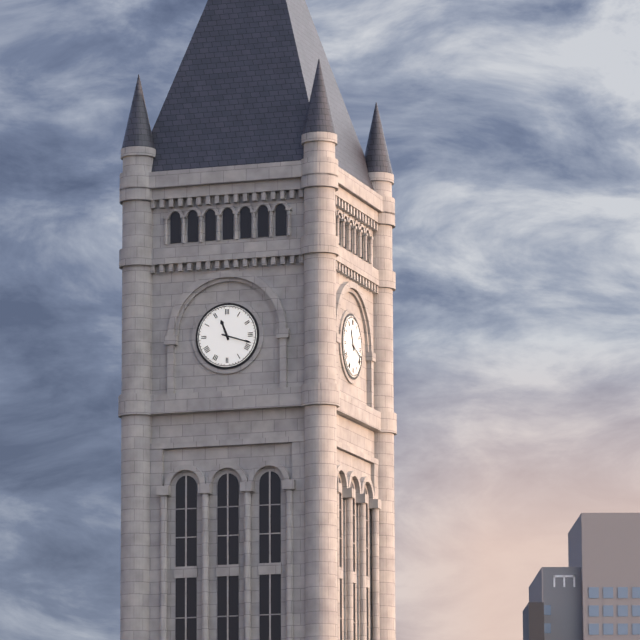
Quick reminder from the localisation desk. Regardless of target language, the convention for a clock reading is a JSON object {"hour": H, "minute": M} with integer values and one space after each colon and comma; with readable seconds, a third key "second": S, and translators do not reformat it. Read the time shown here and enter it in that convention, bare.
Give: {"hour": 11, "minute": 18}
